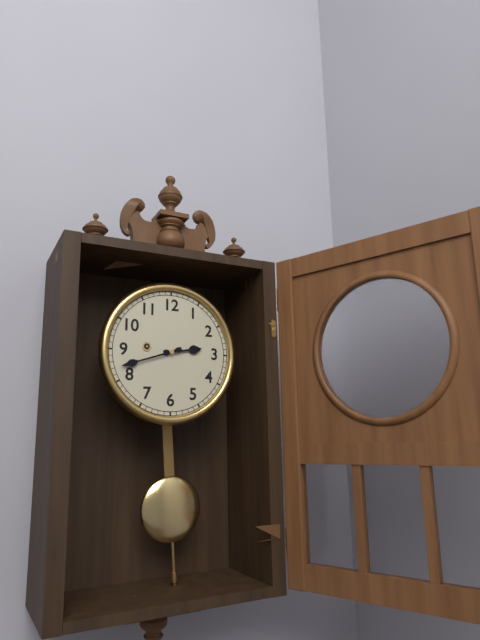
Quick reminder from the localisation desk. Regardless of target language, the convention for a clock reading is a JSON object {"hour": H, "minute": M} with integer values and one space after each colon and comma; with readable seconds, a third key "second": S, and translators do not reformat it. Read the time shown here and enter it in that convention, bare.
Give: {"hour": 2, "minute": 42}
